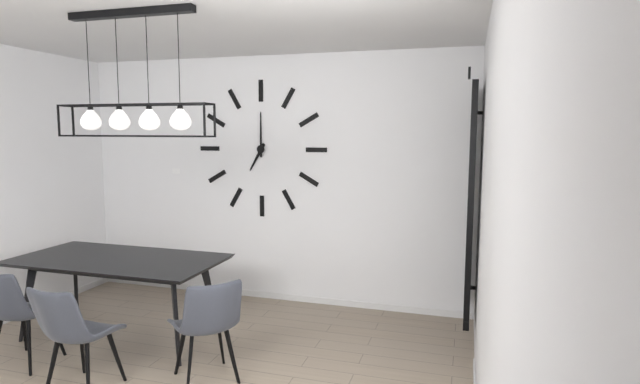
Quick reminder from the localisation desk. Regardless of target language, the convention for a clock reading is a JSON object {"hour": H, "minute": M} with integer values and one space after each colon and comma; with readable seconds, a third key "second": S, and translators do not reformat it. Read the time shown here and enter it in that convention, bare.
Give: {"hour": 7, "minute": 0}
